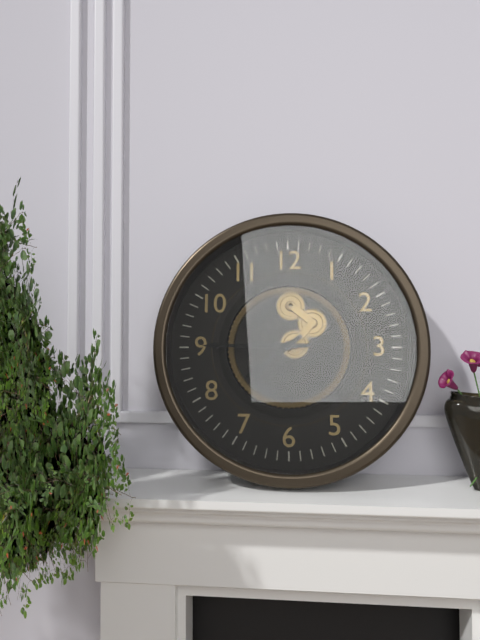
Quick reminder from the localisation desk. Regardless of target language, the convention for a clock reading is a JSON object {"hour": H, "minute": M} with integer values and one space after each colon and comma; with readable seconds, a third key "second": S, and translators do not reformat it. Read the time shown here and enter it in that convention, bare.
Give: {"hour": 7, "minute": 45}
